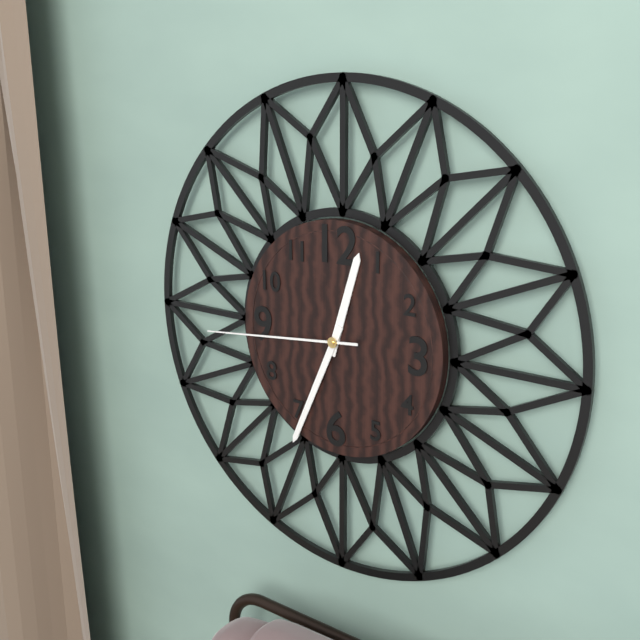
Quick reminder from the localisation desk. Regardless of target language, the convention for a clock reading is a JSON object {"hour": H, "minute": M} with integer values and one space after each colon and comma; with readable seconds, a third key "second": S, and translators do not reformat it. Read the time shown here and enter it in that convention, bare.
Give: {"hour": 12, "minute": 34, "second": 44}
